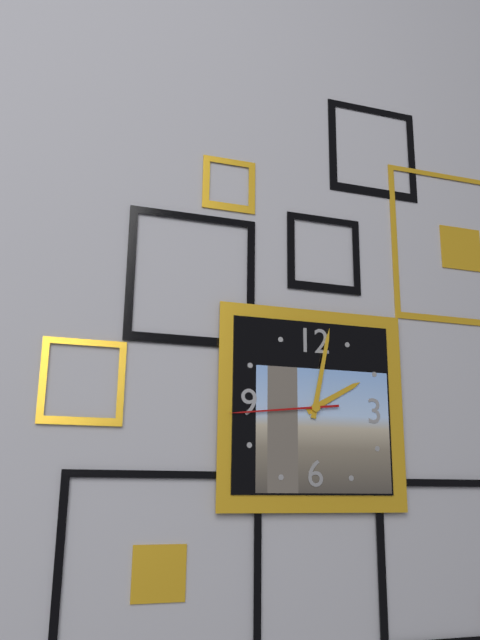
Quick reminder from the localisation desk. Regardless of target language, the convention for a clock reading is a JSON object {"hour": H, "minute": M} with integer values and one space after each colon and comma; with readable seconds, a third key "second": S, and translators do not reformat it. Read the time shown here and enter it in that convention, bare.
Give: {"hour": 2, "minute": 2, "second": 44}
